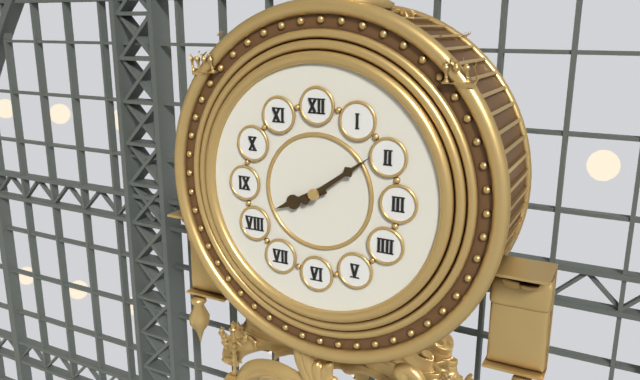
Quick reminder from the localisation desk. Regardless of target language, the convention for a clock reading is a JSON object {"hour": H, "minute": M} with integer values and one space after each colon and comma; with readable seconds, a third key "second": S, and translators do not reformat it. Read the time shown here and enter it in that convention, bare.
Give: {"hour": 8, "minute": 9}
